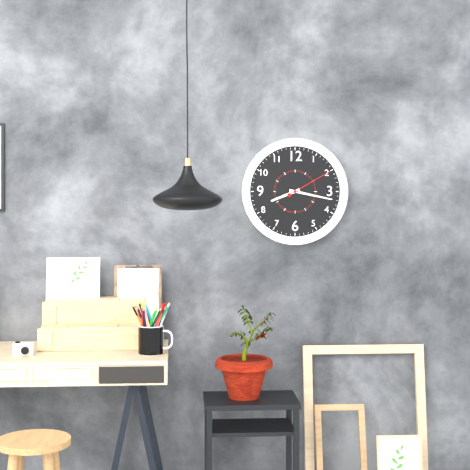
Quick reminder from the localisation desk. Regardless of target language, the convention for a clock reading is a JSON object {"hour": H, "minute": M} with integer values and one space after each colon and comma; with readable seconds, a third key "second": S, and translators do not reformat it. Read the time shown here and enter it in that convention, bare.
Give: {"hour": 8, "minute": 17, "second": 10}
